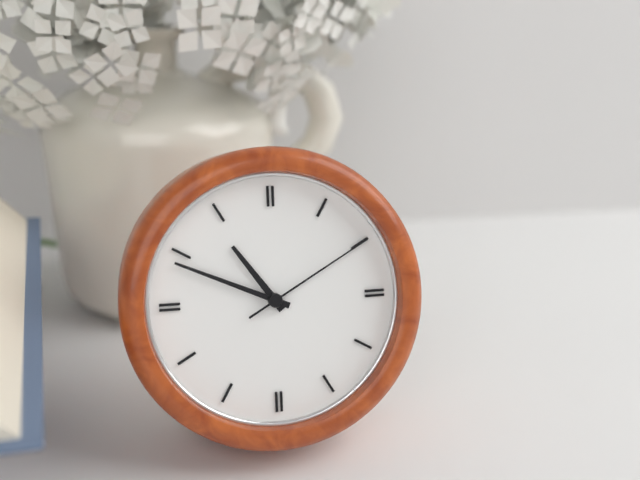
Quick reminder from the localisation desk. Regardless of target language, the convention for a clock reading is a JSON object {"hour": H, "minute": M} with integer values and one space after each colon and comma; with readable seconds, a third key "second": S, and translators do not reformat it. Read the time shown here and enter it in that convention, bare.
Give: {"hour": 10, "minute": 49, "second": 10}
